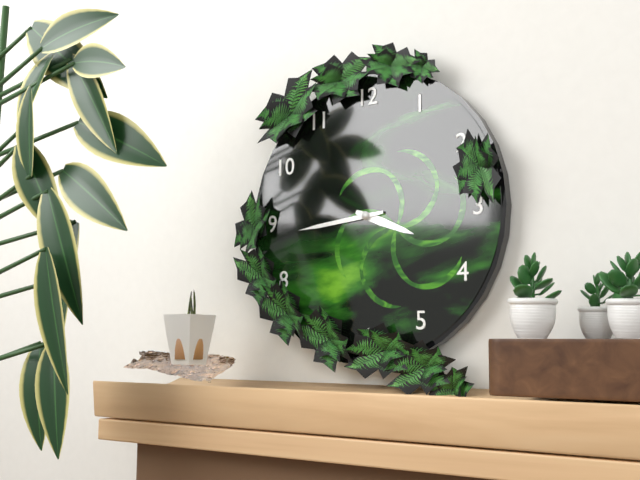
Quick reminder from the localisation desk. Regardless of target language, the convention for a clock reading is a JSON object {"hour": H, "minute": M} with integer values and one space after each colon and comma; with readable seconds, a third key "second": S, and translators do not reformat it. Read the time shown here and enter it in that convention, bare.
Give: {"hour": 3, "minute": 44}
